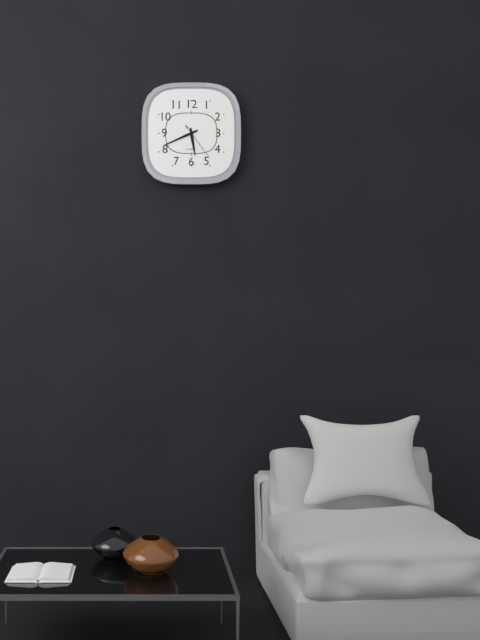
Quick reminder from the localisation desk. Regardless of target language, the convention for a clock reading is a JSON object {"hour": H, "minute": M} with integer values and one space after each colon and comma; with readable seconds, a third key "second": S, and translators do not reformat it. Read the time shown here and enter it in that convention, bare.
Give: {"hour": 5, "minute": 41}
